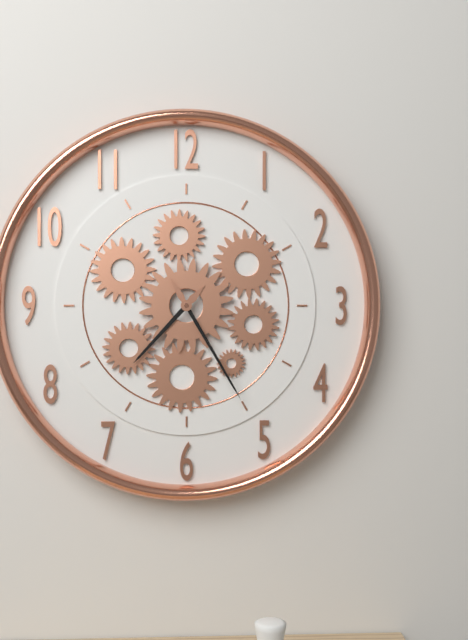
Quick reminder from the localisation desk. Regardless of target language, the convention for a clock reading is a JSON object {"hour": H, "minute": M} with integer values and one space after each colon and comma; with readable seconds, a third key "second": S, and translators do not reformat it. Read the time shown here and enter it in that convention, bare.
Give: {"hour": 7, "minute": 25}
